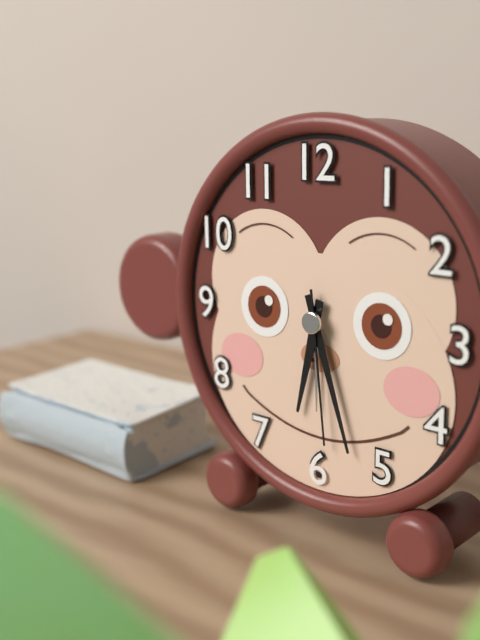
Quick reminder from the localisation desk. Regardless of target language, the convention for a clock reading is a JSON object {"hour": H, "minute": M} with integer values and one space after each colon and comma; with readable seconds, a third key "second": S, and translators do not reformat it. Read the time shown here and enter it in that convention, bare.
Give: {"hour": 6, "minute": 27, "second": 29}
